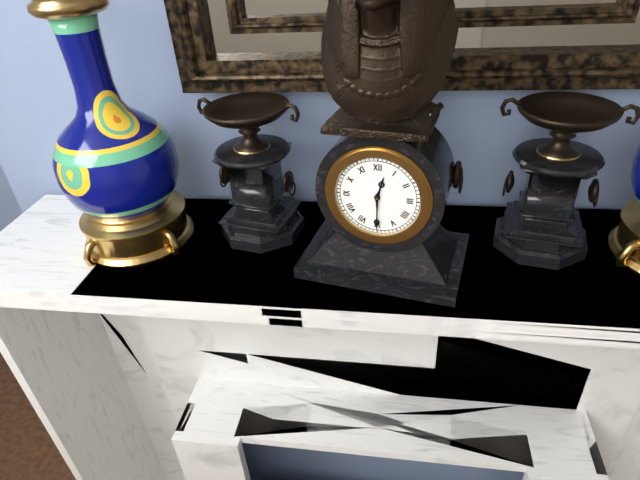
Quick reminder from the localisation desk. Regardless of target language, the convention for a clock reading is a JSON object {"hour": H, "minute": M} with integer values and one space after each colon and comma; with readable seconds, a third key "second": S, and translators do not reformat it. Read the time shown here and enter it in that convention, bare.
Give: {"hour": 12, "minute": 30}
